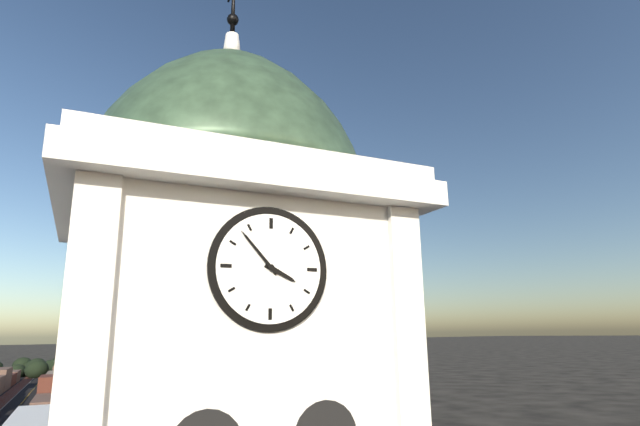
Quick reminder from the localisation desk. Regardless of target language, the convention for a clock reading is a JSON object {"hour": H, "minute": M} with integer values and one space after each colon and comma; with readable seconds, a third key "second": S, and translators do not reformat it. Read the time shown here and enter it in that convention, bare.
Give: {"hour": 3, "minute": 53}
